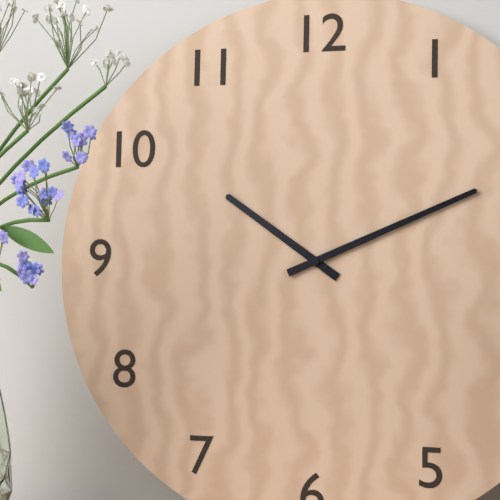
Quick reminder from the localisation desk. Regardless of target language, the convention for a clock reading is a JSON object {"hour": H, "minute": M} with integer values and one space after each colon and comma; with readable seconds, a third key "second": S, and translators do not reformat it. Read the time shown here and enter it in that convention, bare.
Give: {"hour": 10, "minute": 11}
